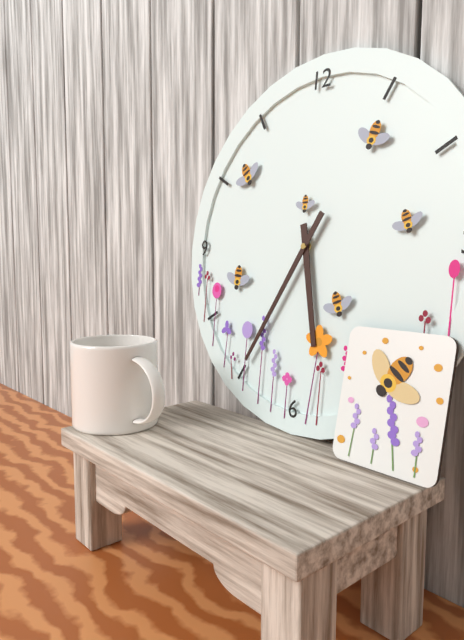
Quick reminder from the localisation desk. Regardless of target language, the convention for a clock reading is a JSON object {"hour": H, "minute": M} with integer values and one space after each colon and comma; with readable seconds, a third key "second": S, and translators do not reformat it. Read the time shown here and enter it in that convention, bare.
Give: {"hour": 5, "minute": 35}
